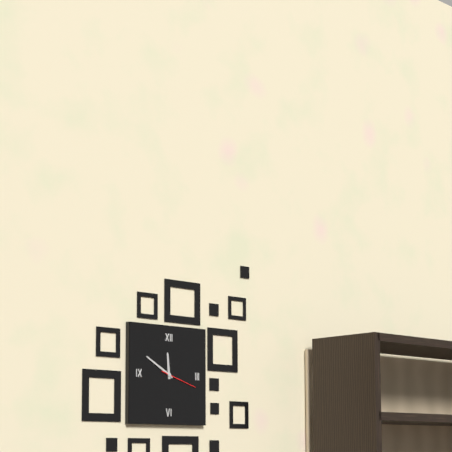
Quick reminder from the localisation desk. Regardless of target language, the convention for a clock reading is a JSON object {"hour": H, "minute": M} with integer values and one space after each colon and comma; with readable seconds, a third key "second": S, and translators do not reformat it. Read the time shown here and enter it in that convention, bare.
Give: {"hour": 11, "minute": 50}
